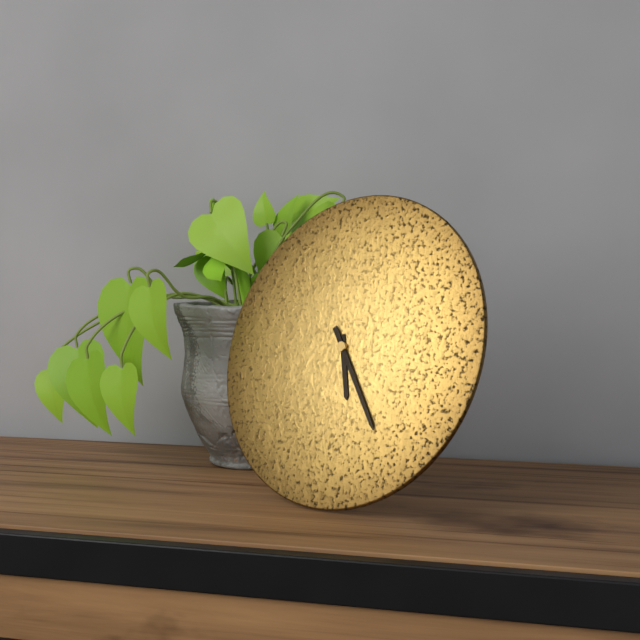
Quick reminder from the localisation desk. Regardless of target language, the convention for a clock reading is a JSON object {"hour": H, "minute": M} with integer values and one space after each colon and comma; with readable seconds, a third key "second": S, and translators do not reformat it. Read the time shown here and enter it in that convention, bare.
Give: {"hour": 5, "minute": 24}
